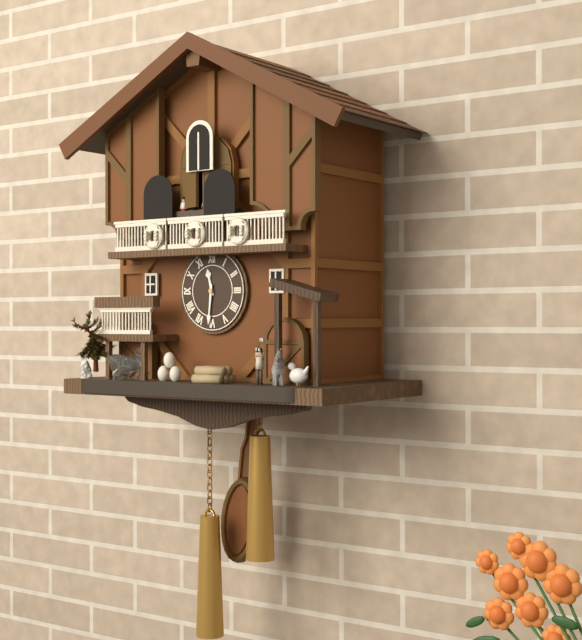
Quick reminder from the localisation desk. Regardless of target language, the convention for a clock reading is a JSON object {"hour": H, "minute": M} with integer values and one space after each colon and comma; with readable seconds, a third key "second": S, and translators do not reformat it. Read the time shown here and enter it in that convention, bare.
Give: {"hour": 11, "minute": 31}
